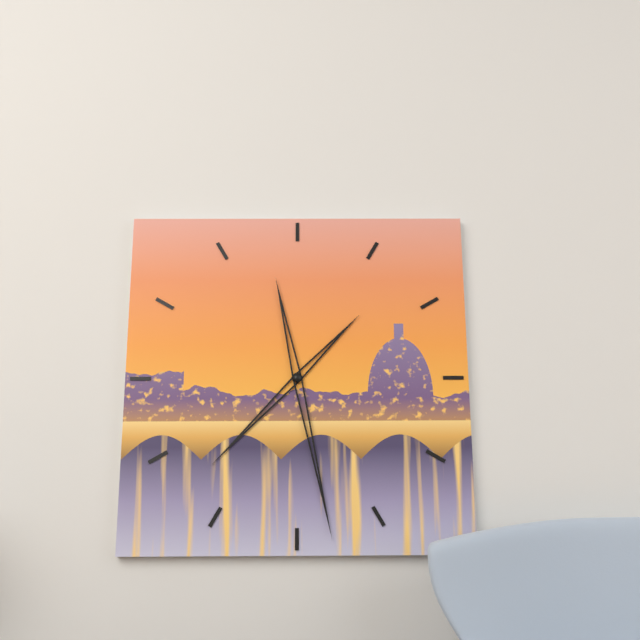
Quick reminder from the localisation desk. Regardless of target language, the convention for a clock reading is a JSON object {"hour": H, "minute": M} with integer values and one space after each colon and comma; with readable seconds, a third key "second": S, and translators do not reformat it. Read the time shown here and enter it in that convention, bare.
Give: {"hour": 7, "minute": 28}
